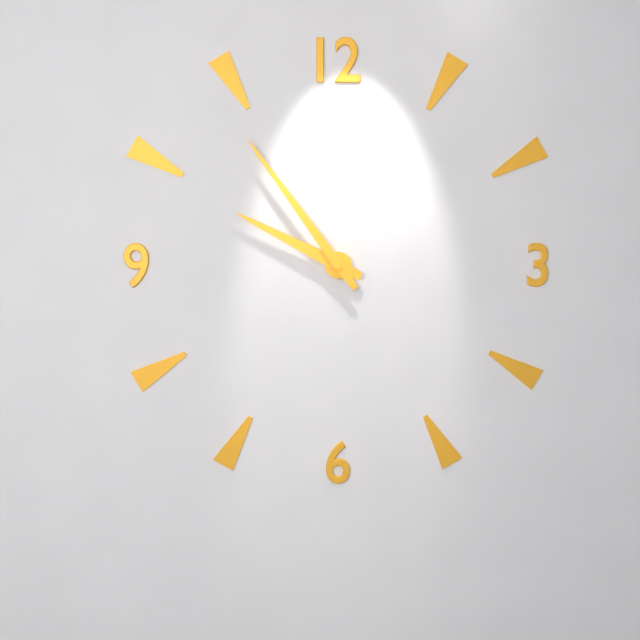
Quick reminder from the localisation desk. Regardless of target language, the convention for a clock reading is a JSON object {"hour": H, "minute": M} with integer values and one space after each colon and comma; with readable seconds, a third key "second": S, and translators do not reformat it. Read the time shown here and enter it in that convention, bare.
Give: {"hour": 9, "minute": 54}
